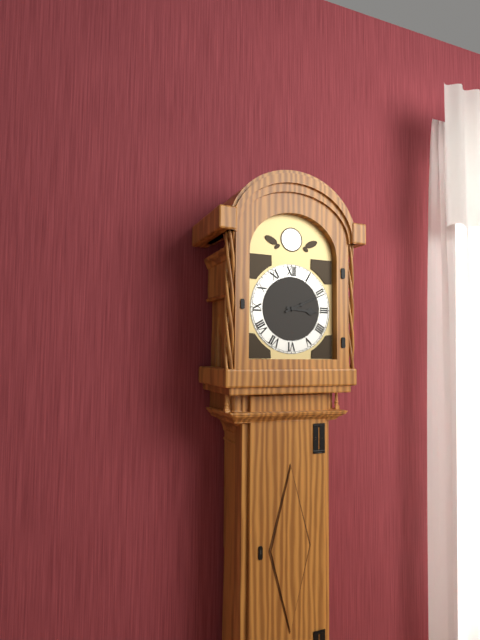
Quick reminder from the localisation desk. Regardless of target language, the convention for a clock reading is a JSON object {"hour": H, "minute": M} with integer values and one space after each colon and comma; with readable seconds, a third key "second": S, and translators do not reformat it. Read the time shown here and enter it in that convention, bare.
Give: {"hour": 3, "minute": 11}
